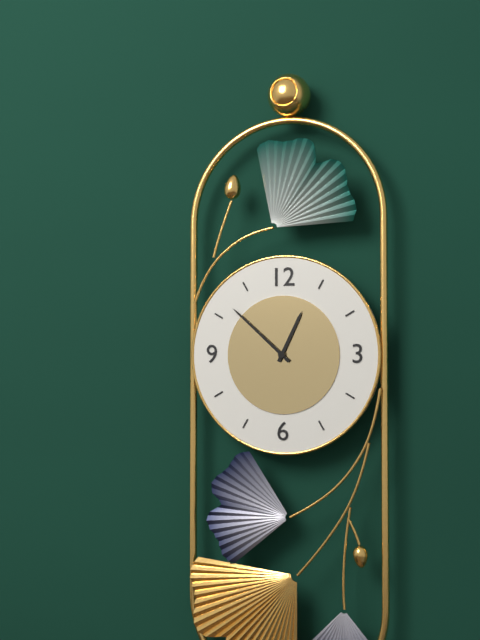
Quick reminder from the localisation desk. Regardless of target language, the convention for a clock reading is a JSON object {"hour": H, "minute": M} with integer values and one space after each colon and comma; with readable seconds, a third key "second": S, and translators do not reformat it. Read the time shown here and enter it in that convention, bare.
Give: {"hour": 12, "minute": 52}
